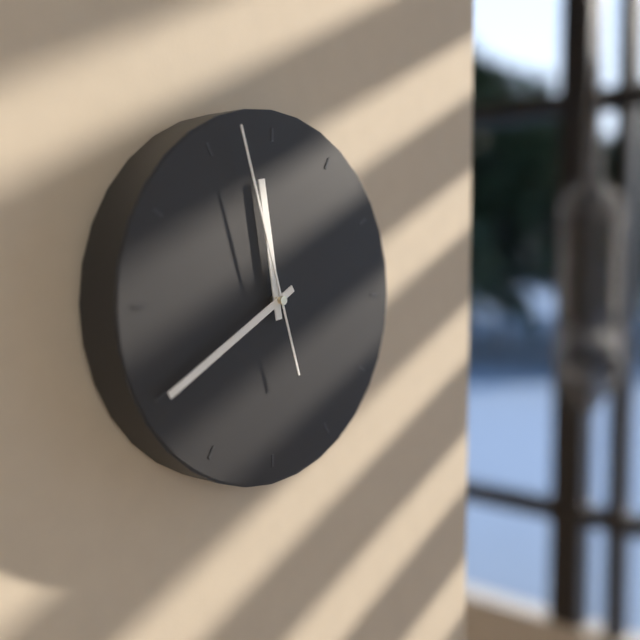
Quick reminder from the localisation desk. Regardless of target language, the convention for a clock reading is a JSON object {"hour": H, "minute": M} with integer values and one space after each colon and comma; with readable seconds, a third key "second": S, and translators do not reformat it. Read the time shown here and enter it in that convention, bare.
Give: {"hour": 11, "minute": 40, "second": 57}
